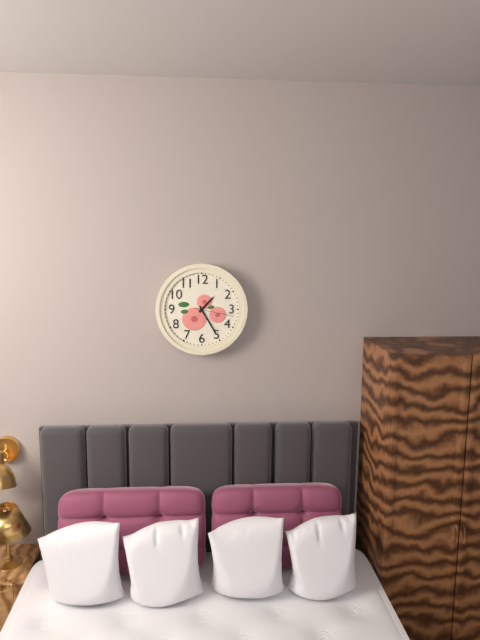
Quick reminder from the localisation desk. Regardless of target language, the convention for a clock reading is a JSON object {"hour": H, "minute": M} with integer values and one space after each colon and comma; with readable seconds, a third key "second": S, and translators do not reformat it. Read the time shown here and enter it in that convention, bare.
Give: {"hour": 1, "minute": 25}
